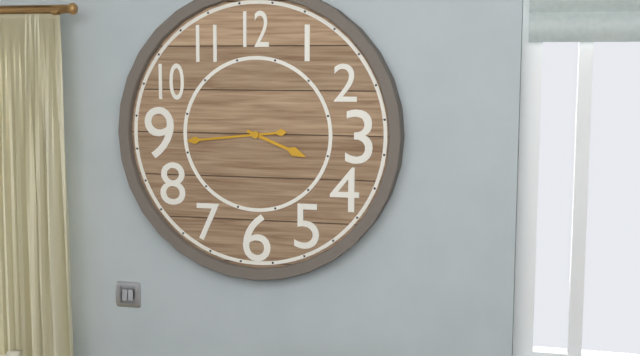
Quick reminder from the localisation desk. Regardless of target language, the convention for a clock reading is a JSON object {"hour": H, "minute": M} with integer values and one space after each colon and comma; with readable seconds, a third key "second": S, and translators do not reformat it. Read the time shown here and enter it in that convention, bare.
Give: {"hour": 3, "minute": 44}
